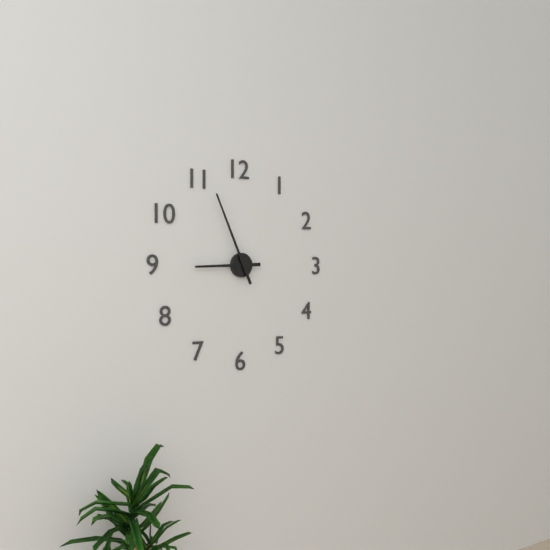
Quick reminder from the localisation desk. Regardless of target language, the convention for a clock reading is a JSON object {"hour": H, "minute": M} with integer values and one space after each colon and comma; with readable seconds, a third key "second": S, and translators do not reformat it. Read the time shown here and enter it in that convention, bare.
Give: {"hour": 8, "minute": 56}
